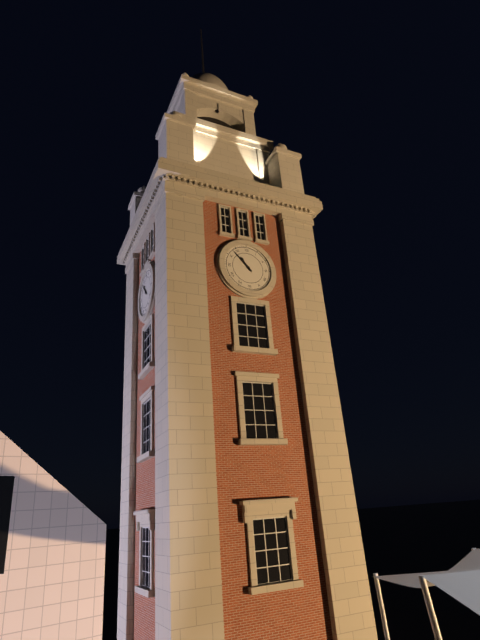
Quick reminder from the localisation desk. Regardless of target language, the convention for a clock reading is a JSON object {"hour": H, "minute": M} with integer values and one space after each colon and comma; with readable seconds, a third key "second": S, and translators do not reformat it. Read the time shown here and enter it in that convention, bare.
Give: {"hour": 10, "minute": 53}
